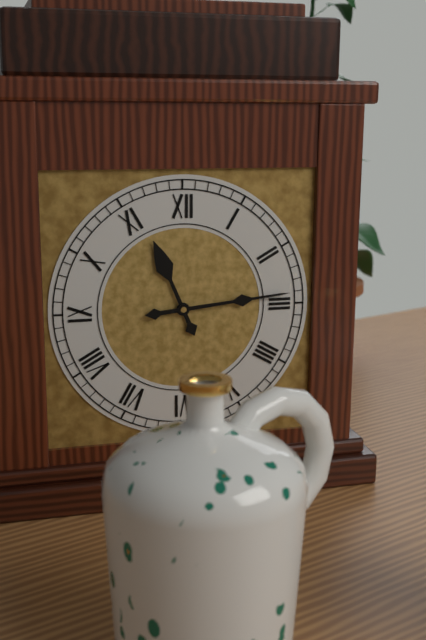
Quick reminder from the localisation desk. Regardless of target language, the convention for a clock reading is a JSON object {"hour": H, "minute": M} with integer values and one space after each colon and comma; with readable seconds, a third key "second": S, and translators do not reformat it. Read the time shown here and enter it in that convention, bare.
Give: {"hour": 11, "minute": 14}
